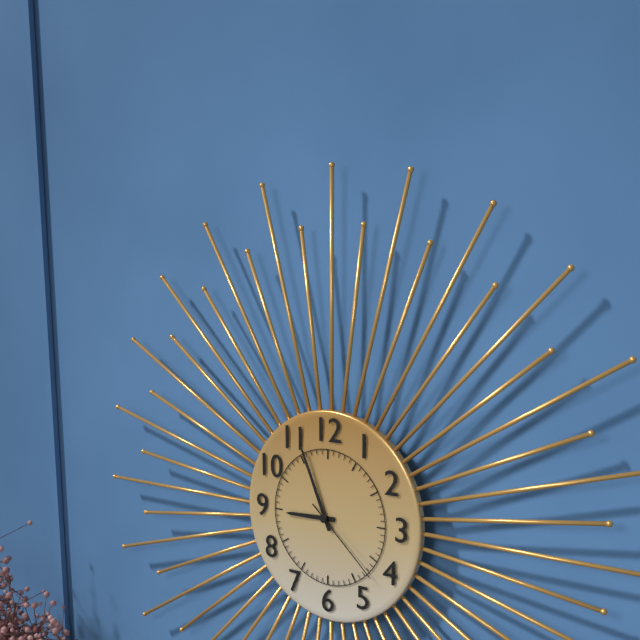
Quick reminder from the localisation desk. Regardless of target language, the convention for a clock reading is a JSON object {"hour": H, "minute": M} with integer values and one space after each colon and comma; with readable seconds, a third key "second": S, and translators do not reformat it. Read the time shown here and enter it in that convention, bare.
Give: {"hour": 8, "minute": 56, "second": 22}
